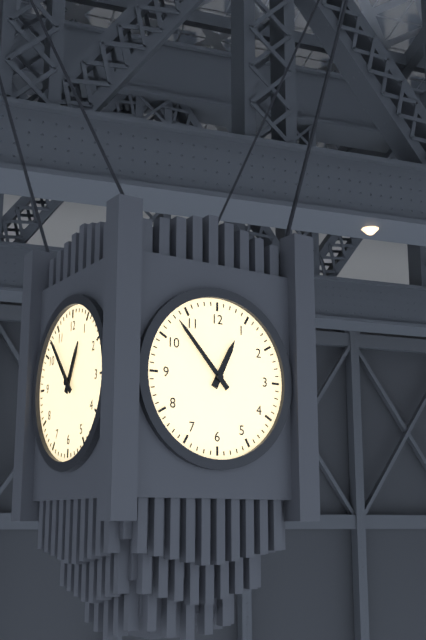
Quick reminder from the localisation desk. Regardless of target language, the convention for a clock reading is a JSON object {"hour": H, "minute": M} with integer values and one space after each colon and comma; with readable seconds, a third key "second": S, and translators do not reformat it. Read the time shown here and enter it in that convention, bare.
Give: {"hour": 12, "minute": 53}
